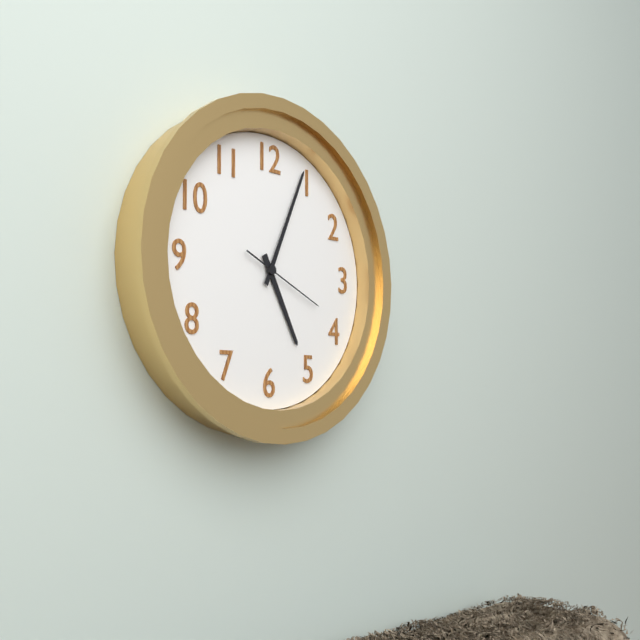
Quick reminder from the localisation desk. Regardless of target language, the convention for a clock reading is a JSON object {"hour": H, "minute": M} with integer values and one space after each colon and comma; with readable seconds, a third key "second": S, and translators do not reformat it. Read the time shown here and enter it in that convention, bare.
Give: {"hour": 5, "minute": 4, "second": 19}
